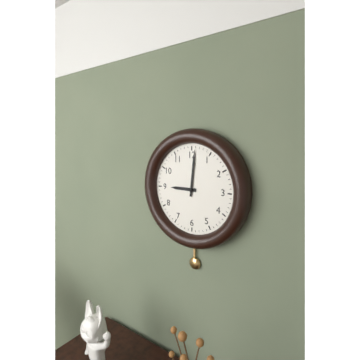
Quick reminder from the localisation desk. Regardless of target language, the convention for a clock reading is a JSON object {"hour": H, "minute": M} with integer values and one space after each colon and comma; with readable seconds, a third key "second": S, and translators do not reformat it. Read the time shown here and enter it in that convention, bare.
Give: {"hour": 9, "minute": 1}
